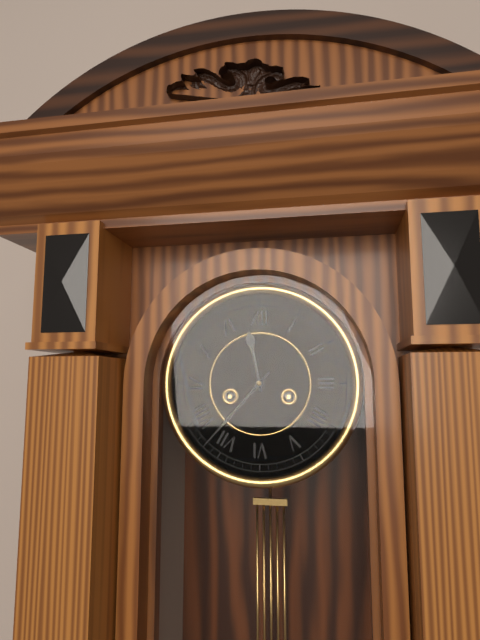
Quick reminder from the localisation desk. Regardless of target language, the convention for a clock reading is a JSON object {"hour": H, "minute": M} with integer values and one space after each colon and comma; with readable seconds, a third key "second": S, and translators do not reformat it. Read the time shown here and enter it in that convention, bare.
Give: {"hour": 11, "minute": 37}
